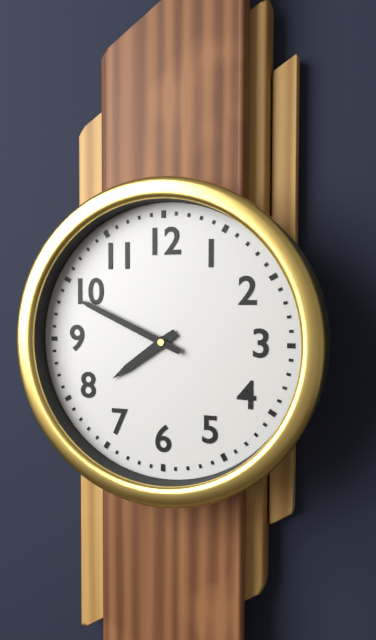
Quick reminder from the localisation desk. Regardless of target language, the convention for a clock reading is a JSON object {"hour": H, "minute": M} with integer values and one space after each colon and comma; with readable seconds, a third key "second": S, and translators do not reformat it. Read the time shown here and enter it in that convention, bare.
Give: {"hour": 7, "minute": 49}
